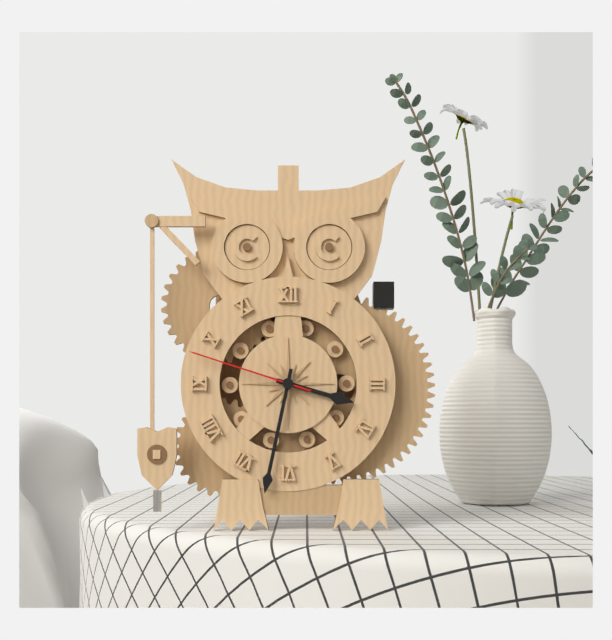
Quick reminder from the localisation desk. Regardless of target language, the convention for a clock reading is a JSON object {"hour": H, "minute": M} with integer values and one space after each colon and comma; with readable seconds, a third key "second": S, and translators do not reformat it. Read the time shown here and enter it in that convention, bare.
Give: {"hour": 3, "minute": 32, "second": 48}
